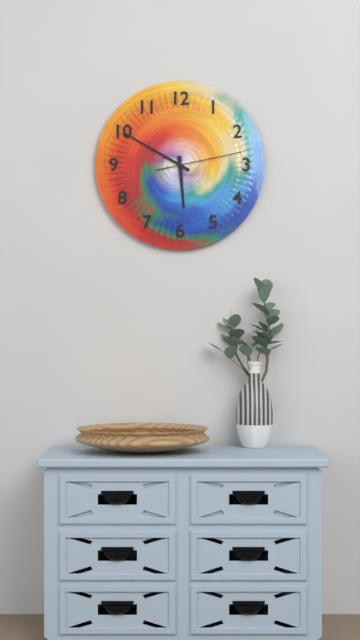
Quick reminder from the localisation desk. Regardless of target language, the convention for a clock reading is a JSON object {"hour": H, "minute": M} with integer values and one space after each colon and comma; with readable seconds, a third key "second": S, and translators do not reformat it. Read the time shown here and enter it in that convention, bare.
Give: {"hour": 5, "minute": 50, "second": 13}
